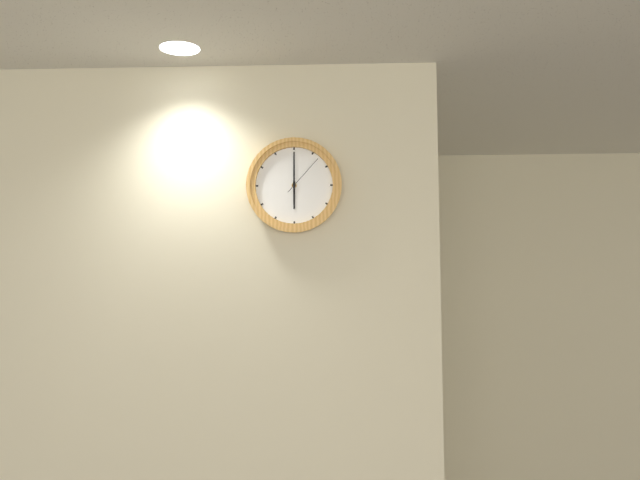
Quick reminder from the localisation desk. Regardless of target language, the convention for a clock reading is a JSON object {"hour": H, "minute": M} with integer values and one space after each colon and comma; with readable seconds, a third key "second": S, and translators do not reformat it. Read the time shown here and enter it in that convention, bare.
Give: {"hour": 6, "minute": 0}
